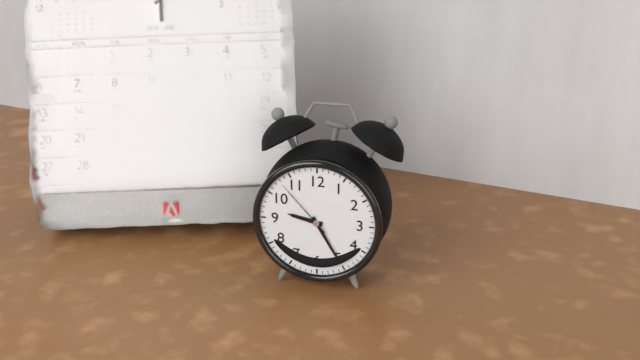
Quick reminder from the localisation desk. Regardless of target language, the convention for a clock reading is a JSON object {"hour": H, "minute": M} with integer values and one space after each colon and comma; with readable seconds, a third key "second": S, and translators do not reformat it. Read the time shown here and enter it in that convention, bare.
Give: {"hour": 9, "minute": 25, "second": 53}
